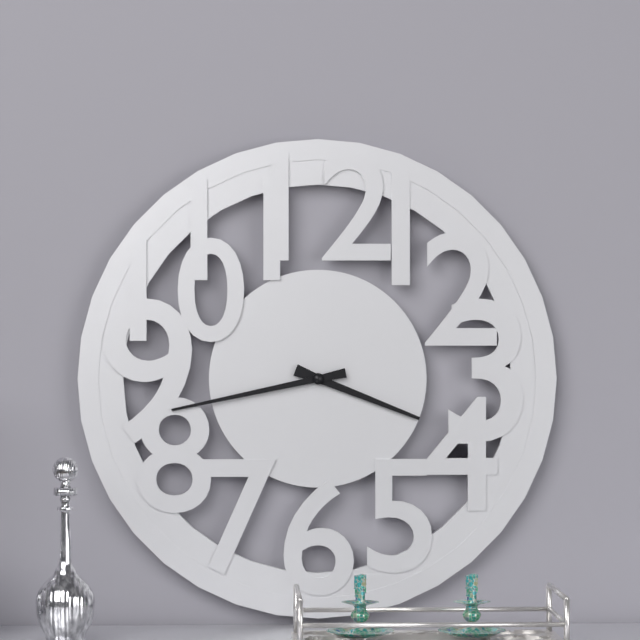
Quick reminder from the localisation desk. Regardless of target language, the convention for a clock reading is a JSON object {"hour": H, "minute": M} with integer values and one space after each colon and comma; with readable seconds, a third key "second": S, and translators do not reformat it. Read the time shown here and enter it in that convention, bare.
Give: {"hour": 3, "minute": 43}
